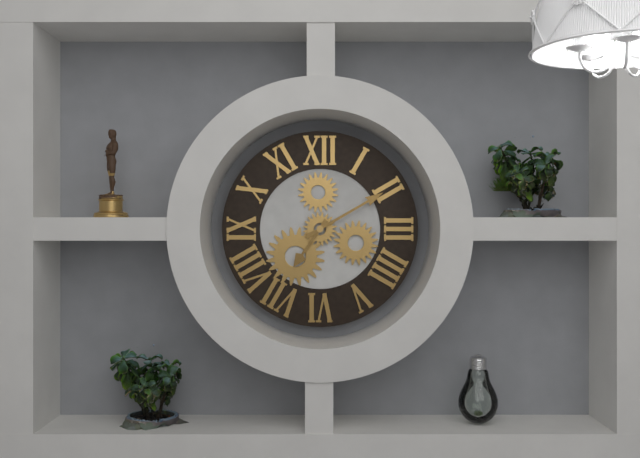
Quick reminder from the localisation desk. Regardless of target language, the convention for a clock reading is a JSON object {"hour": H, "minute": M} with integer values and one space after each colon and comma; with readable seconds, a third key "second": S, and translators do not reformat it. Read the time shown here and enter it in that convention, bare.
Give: {"hour": 7, "minute": 10}
